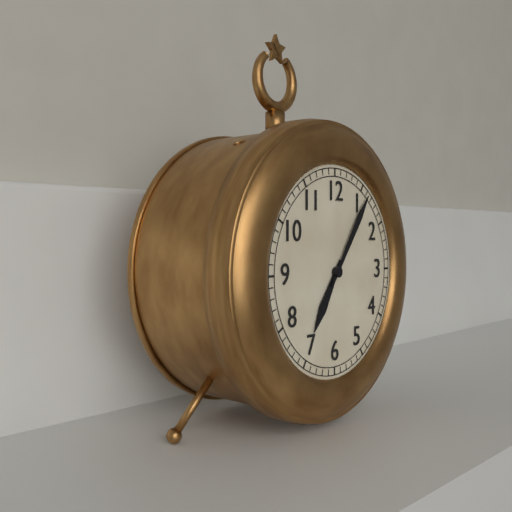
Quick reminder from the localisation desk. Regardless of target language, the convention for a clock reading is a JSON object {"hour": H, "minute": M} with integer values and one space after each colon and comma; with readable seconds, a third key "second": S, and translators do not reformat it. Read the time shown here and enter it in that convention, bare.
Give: {"hour": 7, "minute": 6}
